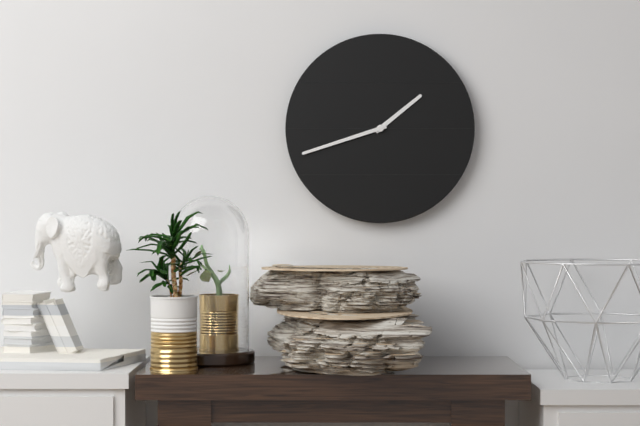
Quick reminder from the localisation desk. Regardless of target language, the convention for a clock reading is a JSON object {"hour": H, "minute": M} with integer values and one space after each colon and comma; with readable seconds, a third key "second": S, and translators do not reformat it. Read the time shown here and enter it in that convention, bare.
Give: {"hour": 1, "minute": 42}
